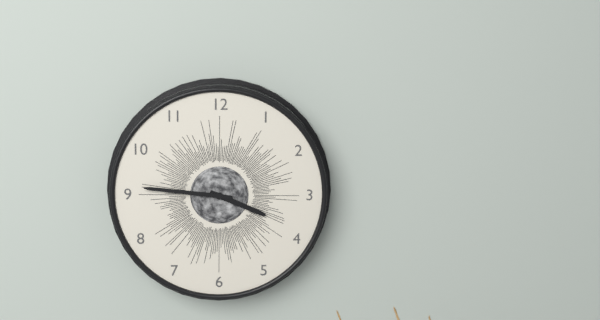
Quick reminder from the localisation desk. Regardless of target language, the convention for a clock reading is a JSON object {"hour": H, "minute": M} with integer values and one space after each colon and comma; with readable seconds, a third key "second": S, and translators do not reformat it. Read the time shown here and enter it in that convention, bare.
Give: {"hour": 3, "minute": 46}
